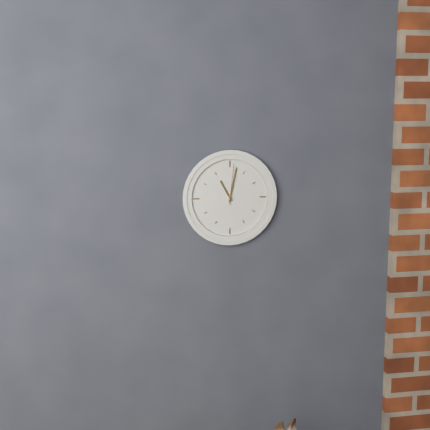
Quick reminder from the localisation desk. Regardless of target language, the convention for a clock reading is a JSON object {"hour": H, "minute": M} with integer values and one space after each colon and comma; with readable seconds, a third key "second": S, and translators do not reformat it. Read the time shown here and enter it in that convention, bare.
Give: {"hour": 11, "minute": 2}
